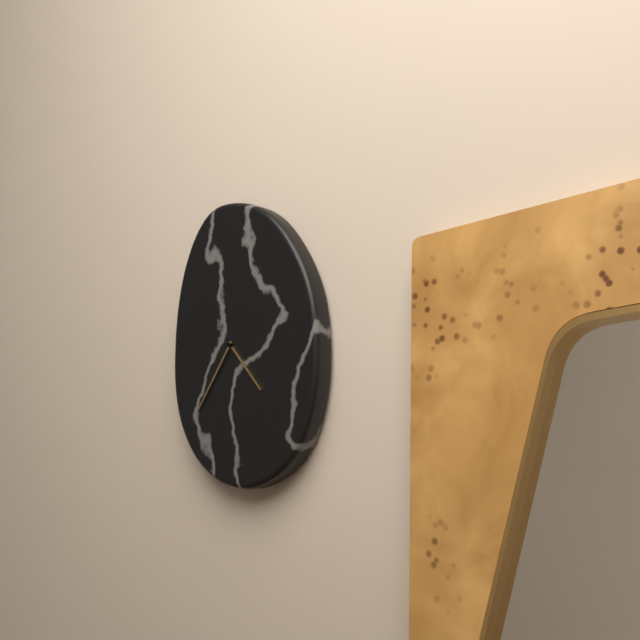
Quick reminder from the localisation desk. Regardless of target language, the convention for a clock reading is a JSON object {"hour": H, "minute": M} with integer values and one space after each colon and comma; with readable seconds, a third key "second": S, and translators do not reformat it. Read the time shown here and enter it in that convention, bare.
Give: {"hour": 4, "minute": 36}
